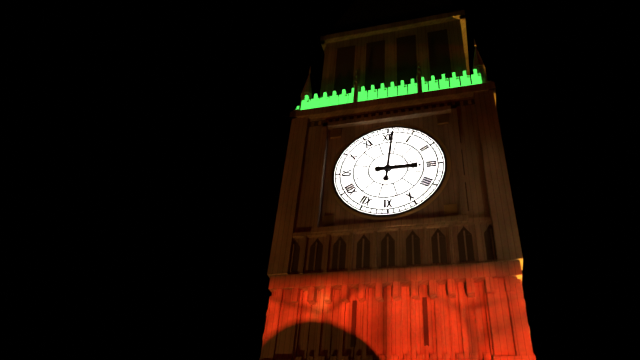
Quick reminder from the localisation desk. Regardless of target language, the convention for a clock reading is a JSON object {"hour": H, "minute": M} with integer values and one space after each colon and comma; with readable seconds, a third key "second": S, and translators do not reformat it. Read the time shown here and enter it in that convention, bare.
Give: {"hour": 3, "minute": 1}
